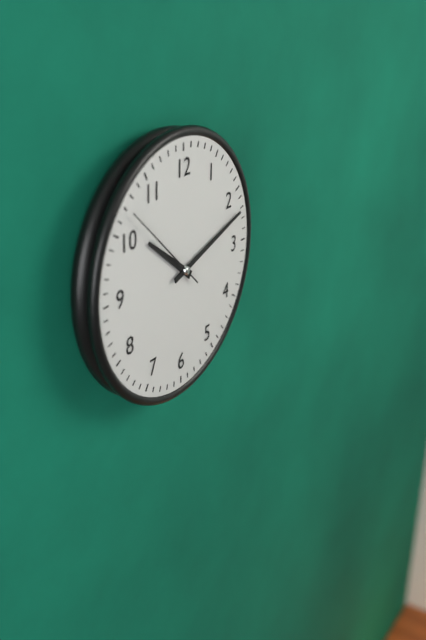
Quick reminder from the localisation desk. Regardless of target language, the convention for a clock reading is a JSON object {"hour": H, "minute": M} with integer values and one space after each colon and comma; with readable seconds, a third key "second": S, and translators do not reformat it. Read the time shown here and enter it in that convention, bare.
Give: {"hour": 10, "minute": 12, "second": 52}
